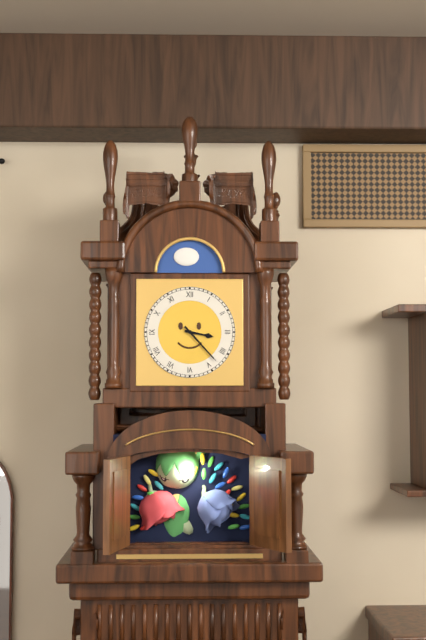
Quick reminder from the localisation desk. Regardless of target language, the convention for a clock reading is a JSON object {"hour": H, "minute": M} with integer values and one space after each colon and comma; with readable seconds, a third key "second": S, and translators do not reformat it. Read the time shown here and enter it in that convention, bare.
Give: {"hour": 3, "minute": 23}
